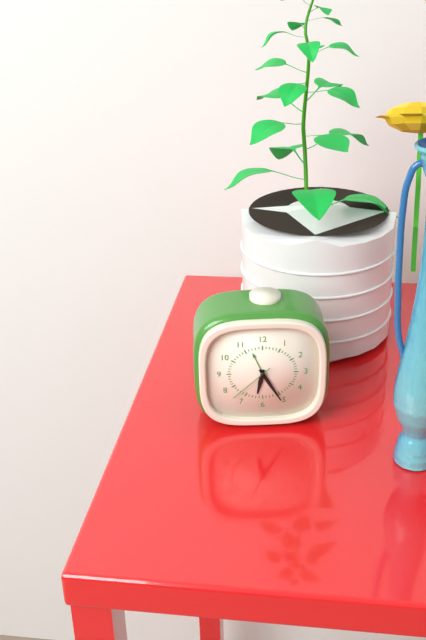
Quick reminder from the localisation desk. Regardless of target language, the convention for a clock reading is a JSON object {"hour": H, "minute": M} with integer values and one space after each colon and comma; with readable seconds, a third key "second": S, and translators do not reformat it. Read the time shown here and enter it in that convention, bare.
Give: {"hour": 6, "minute": 25}
